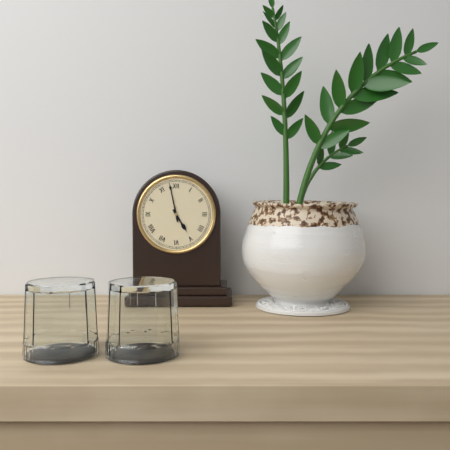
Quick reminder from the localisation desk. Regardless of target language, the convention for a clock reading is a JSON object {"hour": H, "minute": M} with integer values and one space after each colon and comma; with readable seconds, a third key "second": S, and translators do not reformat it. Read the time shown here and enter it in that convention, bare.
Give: {"hour": 4, "minute": 58}
